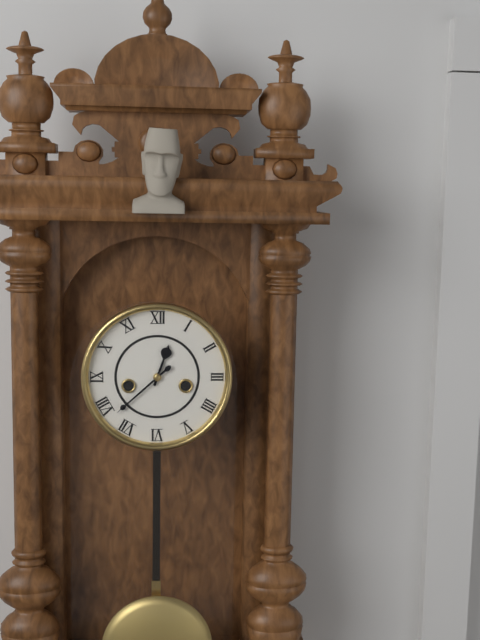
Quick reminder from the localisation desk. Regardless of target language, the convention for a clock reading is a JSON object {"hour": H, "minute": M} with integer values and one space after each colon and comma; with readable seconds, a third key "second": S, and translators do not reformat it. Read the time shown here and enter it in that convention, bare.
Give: {"hour": 12, "minute": 38}
